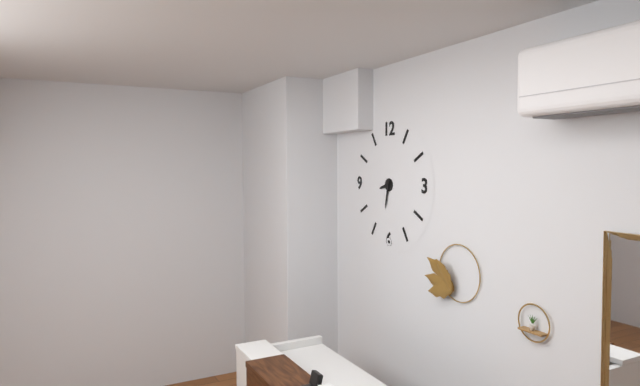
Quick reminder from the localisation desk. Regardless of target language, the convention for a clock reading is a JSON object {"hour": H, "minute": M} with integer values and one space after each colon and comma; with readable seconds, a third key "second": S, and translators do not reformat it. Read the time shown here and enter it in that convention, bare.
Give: {"hour": 8, "minute": 32}
